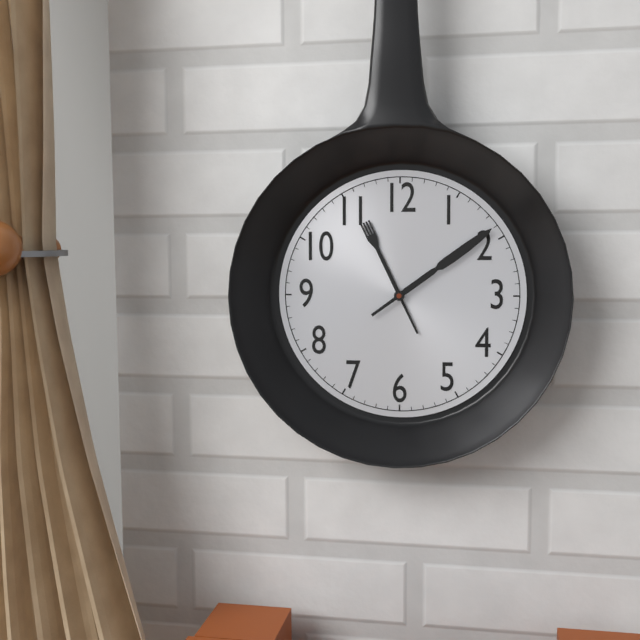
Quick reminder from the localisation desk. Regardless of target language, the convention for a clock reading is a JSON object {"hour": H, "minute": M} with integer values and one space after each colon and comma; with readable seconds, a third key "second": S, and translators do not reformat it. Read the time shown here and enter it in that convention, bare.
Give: {"hour": 11, "minute": 9}
